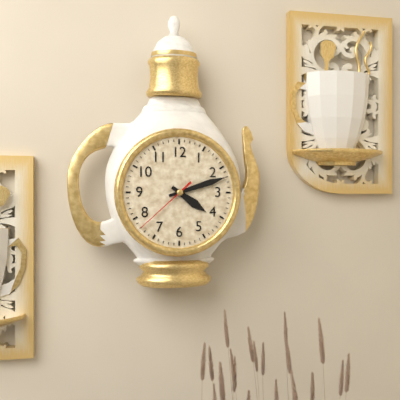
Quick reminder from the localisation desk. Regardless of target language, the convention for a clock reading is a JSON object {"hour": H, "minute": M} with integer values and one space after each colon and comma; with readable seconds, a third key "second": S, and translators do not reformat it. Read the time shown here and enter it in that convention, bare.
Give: {"hour": 4, "minute": 12, "second": 38}
